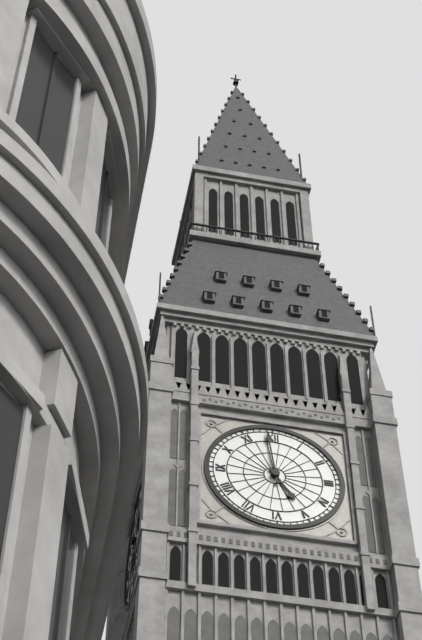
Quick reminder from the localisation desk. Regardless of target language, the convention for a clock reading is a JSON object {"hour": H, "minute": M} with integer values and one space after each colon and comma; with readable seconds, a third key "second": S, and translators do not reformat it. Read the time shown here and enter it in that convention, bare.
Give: {"hour": 4, "minute": 59}
